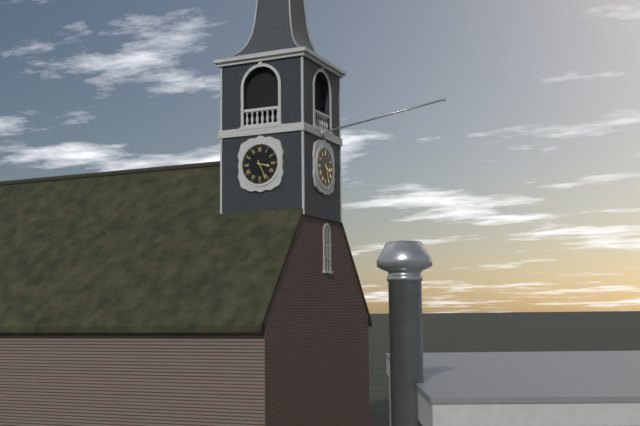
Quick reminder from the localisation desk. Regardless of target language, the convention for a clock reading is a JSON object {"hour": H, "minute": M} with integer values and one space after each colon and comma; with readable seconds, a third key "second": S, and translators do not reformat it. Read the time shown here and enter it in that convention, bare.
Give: {"hour": 3, "minute": 26}
